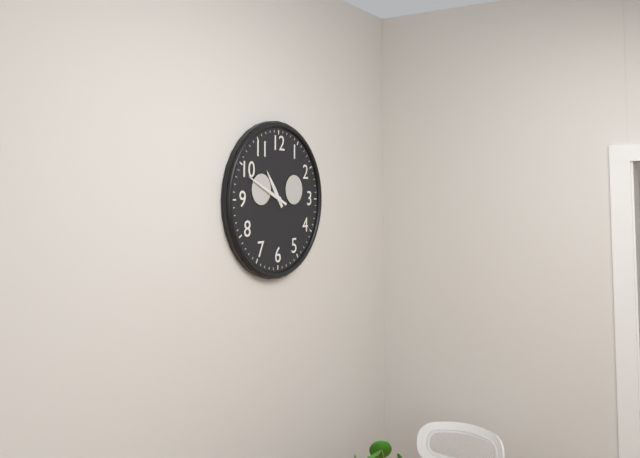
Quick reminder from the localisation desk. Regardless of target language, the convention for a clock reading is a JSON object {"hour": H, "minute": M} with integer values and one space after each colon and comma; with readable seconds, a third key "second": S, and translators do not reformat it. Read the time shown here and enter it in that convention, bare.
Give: {"hour": 10, "minute": 49}
